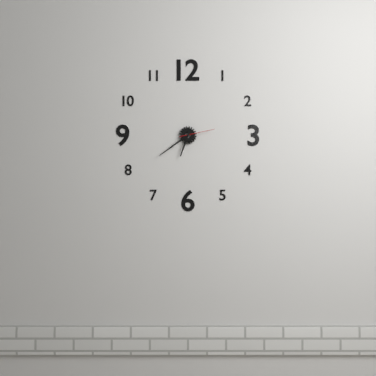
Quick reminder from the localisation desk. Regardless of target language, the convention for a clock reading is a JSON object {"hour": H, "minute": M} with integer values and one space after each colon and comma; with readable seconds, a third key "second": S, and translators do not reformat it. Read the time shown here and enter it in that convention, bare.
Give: {"hour": 6, "minute": 39}
